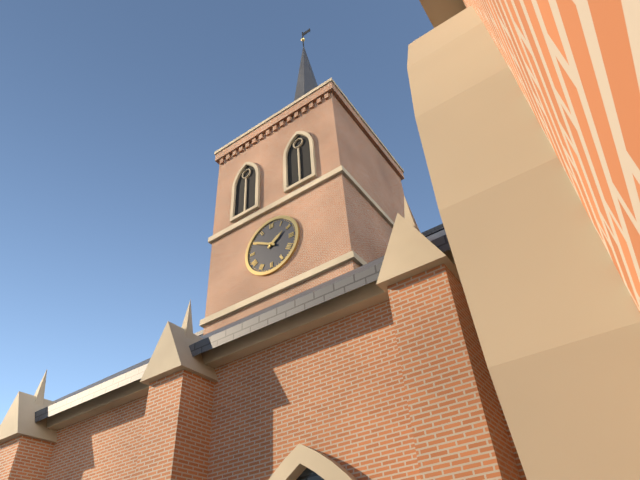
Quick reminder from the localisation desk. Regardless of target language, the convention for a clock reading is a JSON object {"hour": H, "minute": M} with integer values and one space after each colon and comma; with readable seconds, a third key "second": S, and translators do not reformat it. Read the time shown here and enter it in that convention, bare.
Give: {"hour": 1, "minute": 50}
